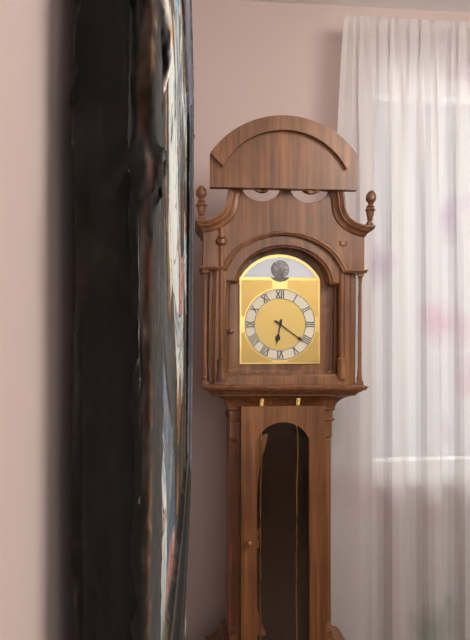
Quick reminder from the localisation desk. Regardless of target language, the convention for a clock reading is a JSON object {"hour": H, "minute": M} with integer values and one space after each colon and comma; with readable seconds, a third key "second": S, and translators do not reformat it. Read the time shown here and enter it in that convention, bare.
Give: {"hour": 6, "minute": 21}
